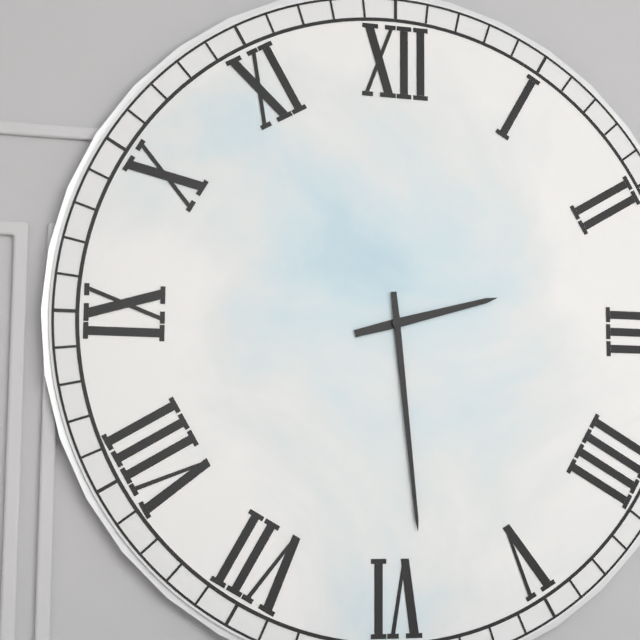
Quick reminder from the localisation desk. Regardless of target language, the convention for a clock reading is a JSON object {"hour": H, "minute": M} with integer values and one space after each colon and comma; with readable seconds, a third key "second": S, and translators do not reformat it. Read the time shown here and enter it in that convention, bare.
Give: {"hour": 2, "minute": 29}
